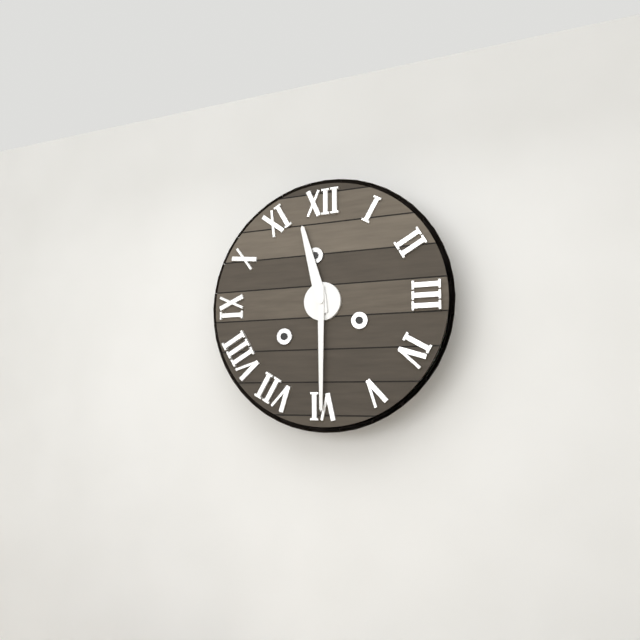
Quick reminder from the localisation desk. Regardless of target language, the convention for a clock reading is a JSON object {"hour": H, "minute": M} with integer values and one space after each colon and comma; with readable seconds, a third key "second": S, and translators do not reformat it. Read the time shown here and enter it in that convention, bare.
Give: {"hour": 11, "minute": 30}
